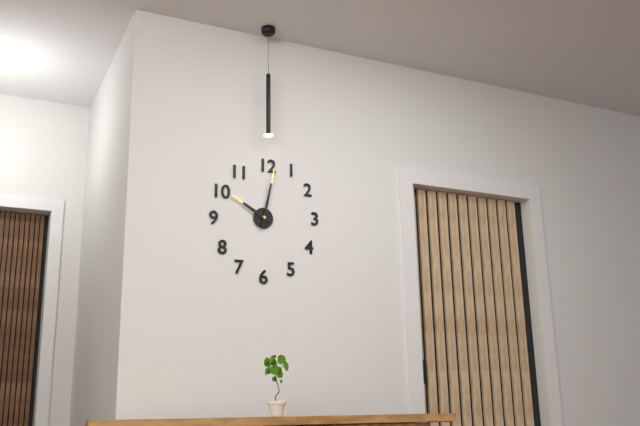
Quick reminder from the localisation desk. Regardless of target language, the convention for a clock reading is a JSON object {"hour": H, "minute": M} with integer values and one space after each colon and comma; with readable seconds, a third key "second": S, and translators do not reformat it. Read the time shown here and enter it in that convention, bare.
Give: {"hour": 10, "minute": 2}
